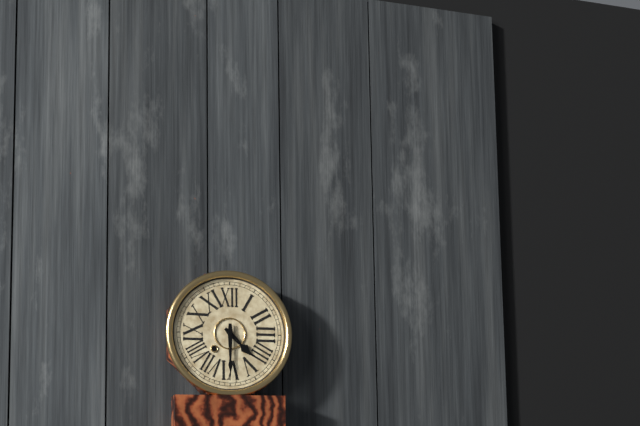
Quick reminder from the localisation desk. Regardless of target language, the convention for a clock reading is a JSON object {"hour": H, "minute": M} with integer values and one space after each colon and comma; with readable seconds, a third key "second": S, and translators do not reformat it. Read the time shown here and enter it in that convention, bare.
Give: {"hour": 4, "minute": 30}
